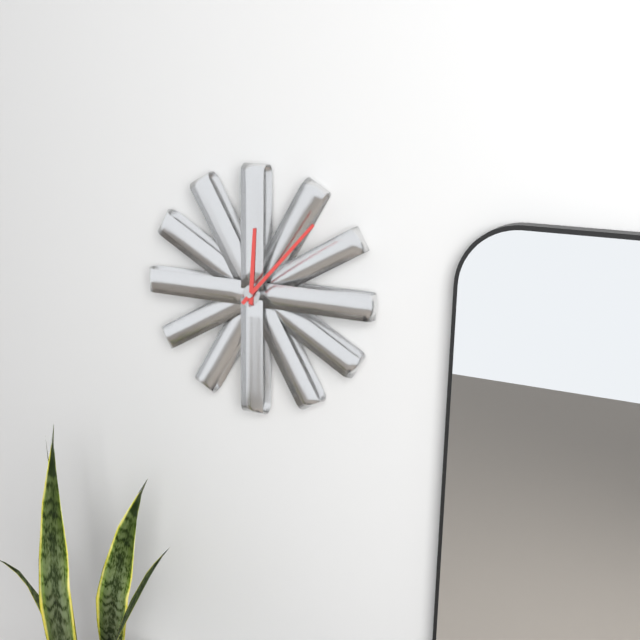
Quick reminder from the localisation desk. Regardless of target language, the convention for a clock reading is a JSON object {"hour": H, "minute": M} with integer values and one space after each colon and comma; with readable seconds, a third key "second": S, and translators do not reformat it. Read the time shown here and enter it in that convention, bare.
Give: {"hour": 12, "minute": 7}
